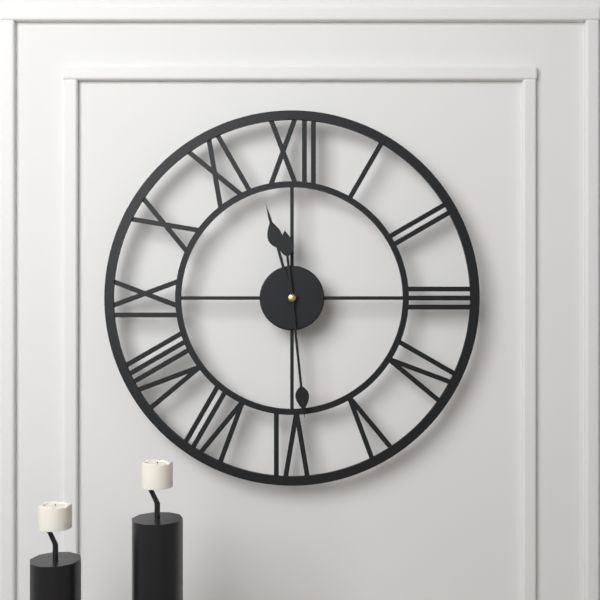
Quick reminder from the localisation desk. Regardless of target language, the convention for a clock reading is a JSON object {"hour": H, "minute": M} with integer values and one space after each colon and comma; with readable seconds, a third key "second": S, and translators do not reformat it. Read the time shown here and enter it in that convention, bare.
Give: {"hour": 11, "minute": 29}
